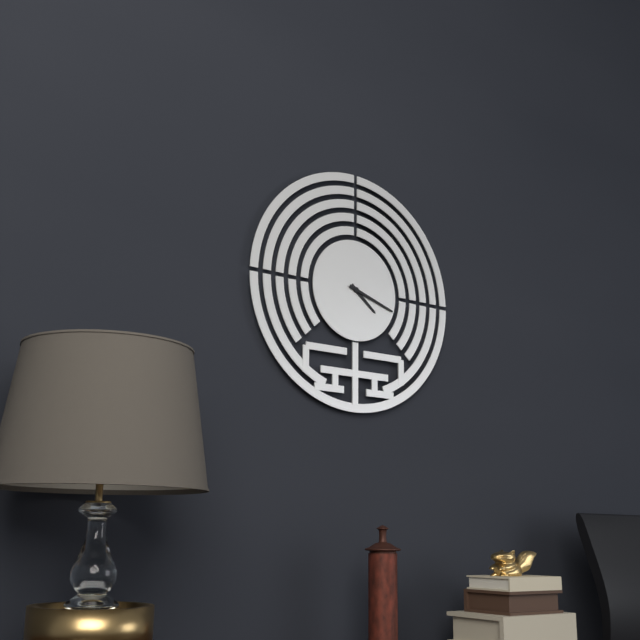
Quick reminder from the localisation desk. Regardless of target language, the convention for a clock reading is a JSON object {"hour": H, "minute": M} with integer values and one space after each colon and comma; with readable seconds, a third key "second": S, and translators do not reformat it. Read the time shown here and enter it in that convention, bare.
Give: {"hour": 4, "minute": 18}
